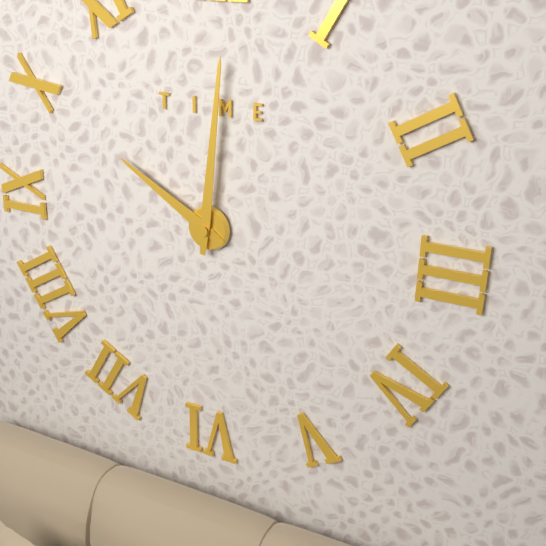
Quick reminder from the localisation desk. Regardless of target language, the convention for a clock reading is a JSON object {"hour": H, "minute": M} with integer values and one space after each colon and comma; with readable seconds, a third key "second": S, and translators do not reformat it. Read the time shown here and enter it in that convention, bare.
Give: {"hour": 10, "minute": 1}
